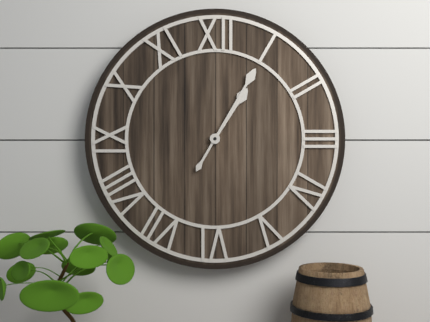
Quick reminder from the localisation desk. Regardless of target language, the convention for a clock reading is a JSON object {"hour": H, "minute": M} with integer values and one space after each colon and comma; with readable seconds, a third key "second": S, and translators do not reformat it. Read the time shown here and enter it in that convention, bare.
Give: {"hour": 1, "minute": 5}
